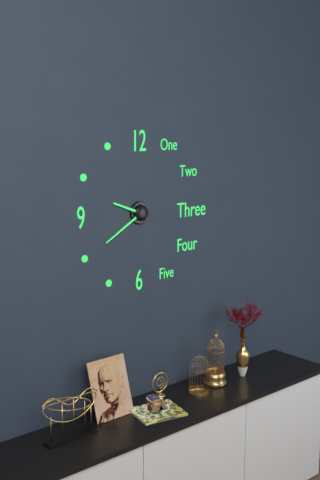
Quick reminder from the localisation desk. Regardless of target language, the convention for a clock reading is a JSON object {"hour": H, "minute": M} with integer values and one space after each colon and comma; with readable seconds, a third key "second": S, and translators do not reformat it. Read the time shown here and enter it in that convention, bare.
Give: {"hour": 9, "minute": 40}
